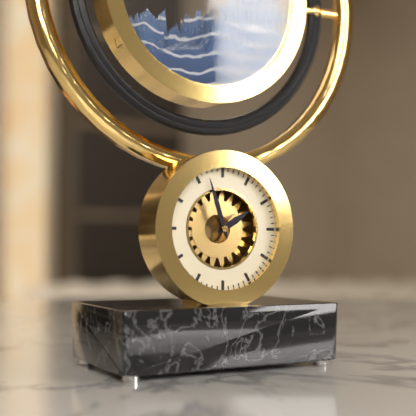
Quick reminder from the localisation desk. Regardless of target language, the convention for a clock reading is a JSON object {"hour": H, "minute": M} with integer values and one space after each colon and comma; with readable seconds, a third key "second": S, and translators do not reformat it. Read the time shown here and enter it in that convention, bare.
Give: {"hour": 1, "minute": 57}
